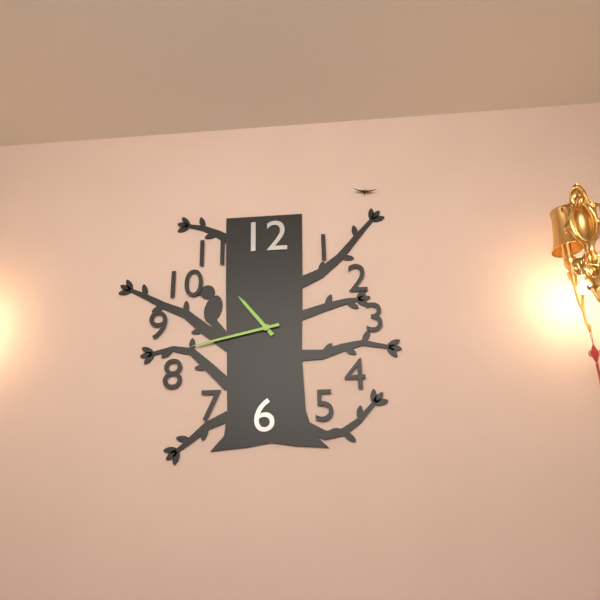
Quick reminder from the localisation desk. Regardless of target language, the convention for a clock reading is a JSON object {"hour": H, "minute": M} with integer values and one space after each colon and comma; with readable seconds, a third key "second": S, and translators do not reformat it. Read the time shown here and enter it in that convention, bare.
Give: {"hour": 10, "minute": 43}
